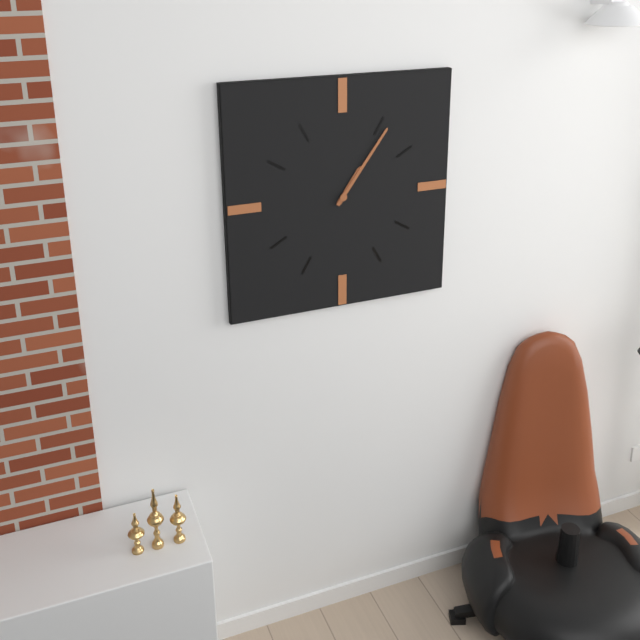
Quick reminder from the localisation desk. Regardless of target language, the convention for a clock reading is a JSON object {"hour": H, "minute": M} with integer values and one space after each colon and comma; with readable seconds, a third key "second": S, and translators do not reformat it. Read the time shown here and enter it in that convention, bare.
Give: {"hour": 1, "minute": 6}
